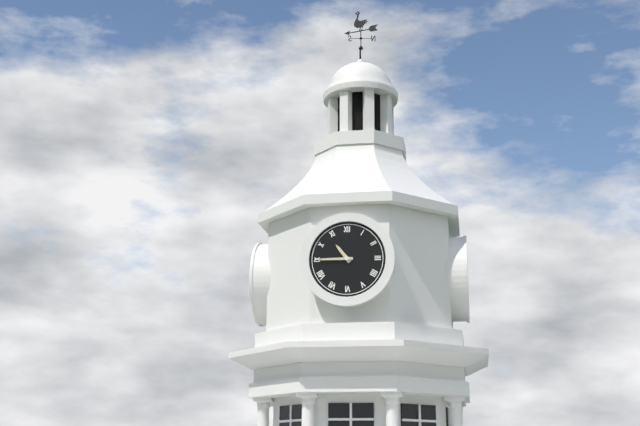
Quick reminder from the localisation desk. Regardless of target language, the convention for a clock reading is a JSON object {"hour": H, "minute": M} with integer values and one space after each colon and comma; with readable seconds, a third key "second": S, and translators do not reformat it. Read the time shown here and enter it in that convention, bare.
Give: {"hour": 10, "minute": 45}
